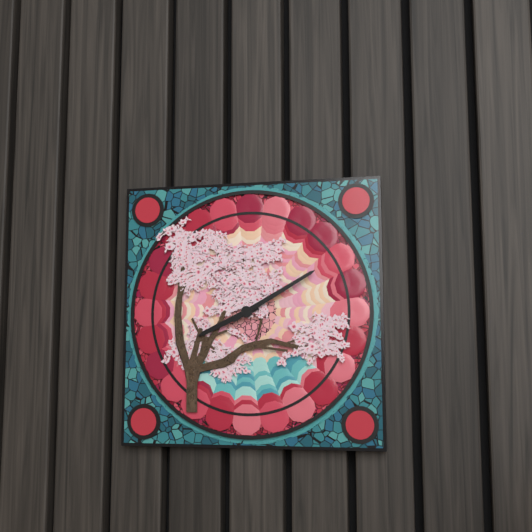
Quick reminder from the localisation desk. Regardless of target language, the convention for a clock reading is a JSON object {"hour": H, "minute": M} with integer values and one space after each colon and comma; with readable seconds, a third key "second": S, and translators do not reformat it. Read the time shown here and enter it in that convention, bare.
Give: {"hour": 8, "minute": 10}
